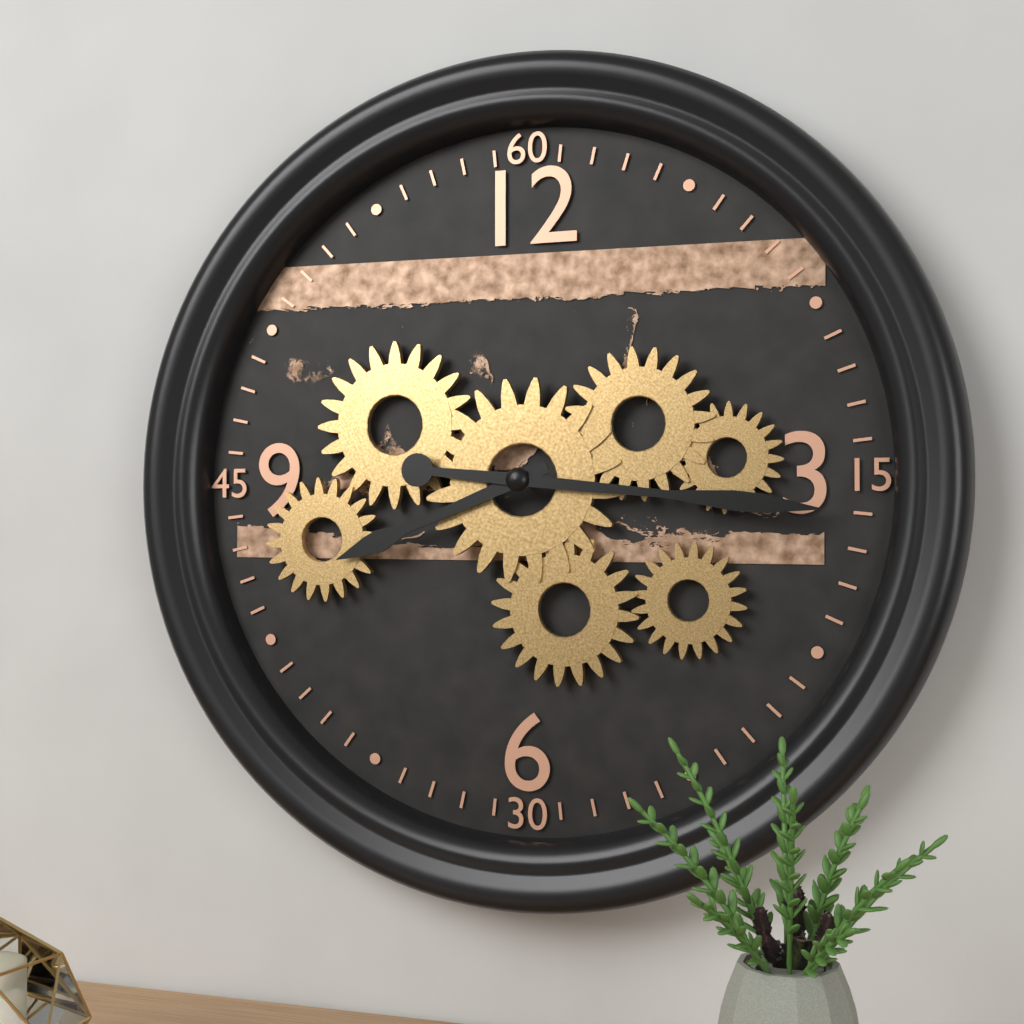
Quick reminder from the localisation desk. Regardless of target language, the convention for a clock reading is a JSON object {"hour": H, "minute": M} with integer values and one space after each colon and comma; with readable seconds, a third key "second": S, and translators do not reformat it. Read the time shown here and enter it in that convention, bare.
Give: {"hour": 8, "minute": 16}
